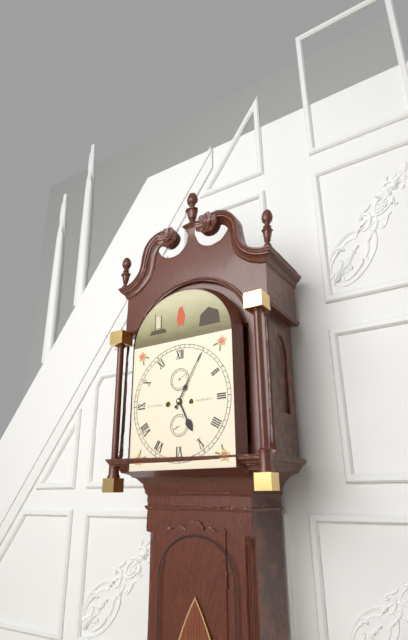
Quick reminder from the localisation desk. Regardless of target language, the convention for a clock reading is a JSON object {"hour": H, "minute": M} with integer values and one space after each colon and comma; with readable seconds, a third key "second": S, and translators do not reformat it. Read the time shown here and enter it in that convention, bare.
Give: {"hour": 5, "minute": 5}
